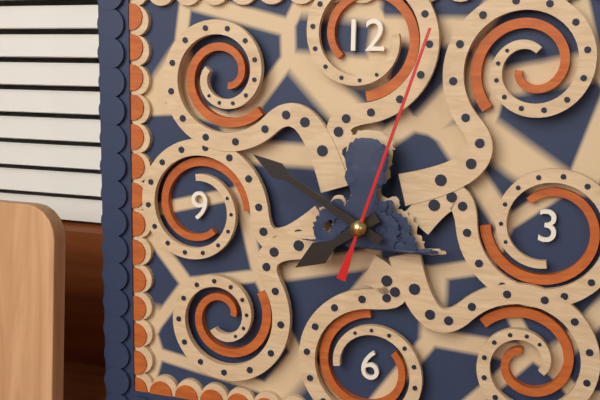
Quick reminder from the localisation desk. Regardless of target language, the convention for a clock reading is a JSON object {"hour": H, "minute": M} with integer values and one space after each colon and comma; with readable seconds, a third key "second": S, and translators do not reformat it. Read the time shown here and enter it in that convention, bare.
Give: {"hour": 7, "minute": 50, "second": 3}
